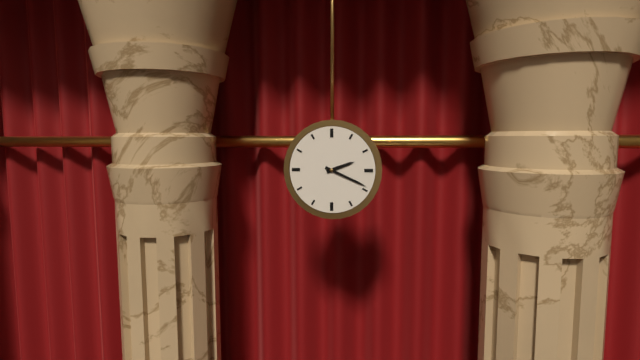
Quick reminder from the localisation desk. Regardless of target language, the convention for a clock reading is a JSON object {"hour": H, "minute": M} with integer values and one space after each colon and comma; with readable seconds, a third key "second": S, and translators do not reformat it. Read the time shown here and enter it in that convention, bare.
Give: {"hour": 2, "minute": 19}
